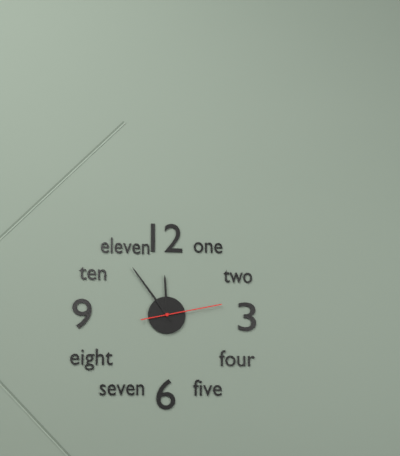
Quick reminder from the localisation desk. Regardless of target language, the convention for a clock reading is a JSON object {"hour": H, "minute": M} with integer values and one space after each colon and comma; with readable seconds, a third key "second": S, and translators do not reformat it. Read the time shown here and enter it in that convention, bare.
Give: {"hour": 11, "minute": 54, "second": 13}
